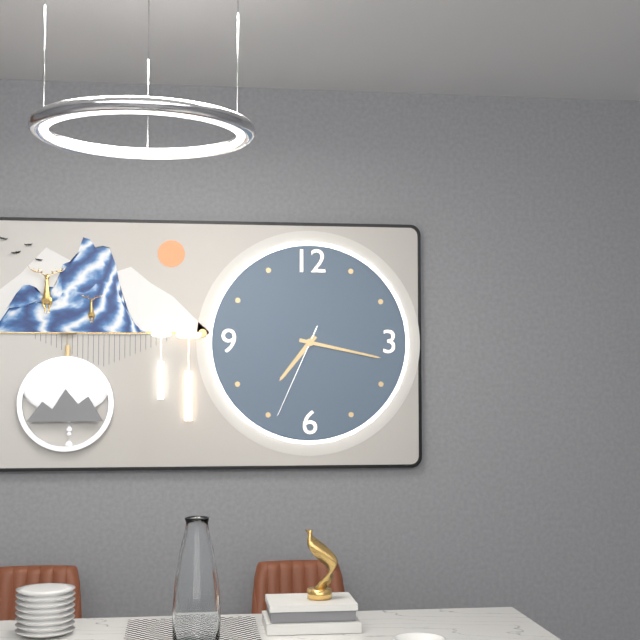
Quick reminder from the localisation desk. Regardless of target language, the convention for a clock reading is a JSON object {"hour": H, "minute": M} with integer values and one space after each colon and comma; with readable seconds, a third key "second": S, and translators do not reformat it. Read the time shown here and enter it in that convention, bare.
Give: {"hour": 7, "minute": 17, "second": 34}
